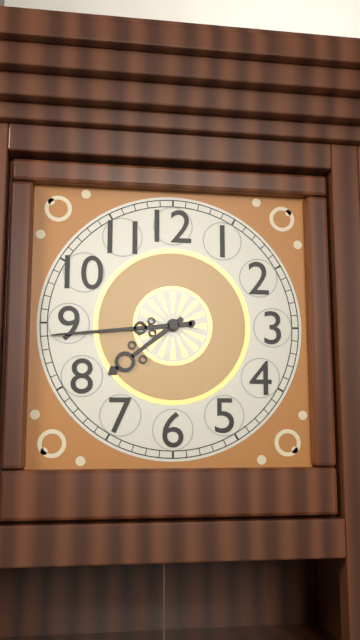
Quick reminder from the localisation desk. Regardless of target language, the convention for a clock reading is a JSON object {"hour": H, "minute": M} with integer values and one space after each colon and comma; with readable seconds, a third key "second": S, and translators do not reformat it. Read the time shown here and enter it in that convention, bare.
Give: {"hour": 7, "minute": 44}
